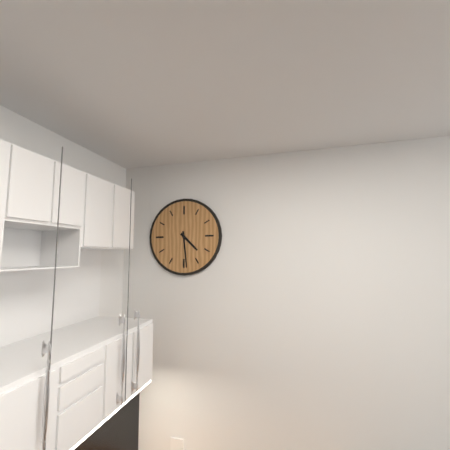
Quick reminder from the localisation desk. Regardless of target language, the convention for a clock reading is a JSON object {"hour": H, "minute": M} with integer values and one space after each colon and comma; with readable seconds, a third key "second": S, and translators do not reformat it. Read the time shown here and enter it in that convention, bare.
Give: {"hour": 4, "minute": 29}
